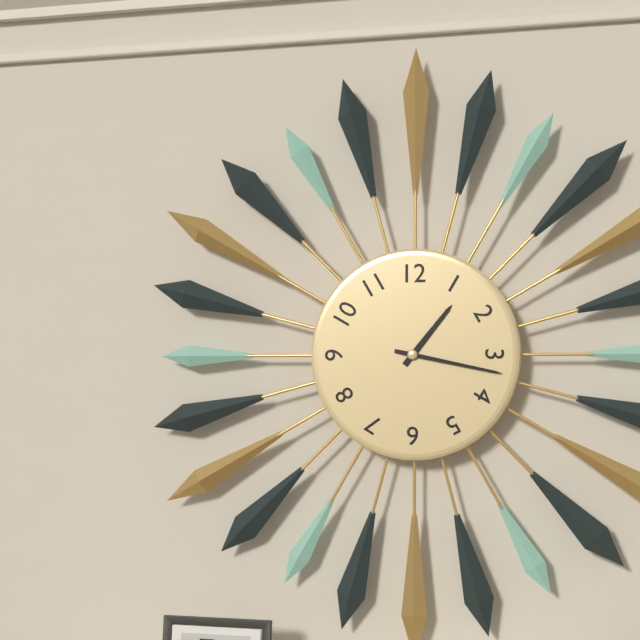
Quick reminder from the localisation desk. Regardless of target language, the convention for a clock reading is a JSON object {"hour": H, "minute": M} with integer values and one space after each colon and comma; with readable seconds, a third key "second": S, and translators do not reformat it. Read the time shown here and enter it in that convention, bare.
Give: {"hour": 1, "minute": 17}
